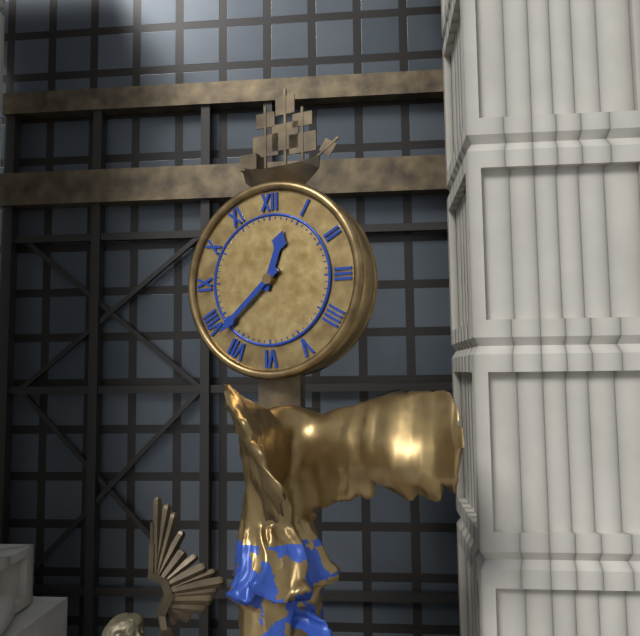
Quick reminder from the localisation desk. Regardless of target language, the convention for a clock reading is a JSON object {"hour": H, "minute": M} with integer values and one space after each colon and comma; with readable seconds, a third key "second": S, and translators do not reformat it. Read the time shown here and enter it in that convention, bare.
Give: {"hour": 12, "minute": 38}
